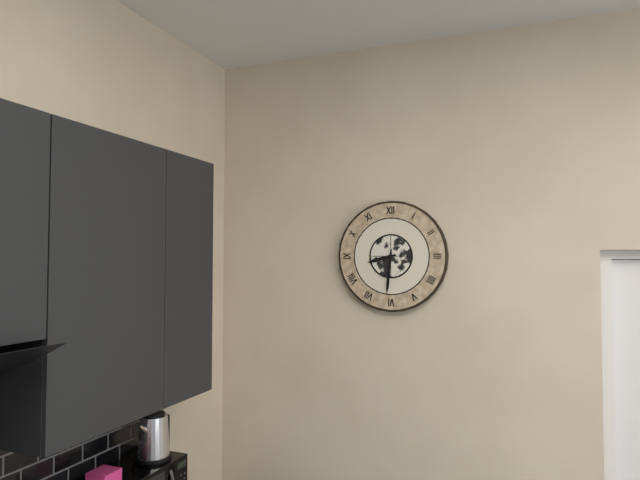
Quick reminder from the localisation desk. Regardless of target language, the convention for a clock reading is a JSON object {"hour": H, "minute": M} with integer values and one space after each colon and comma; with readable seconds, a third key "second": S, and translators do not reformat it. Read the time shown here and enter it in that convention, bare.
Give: {"hour": 8, "minute": 31}
